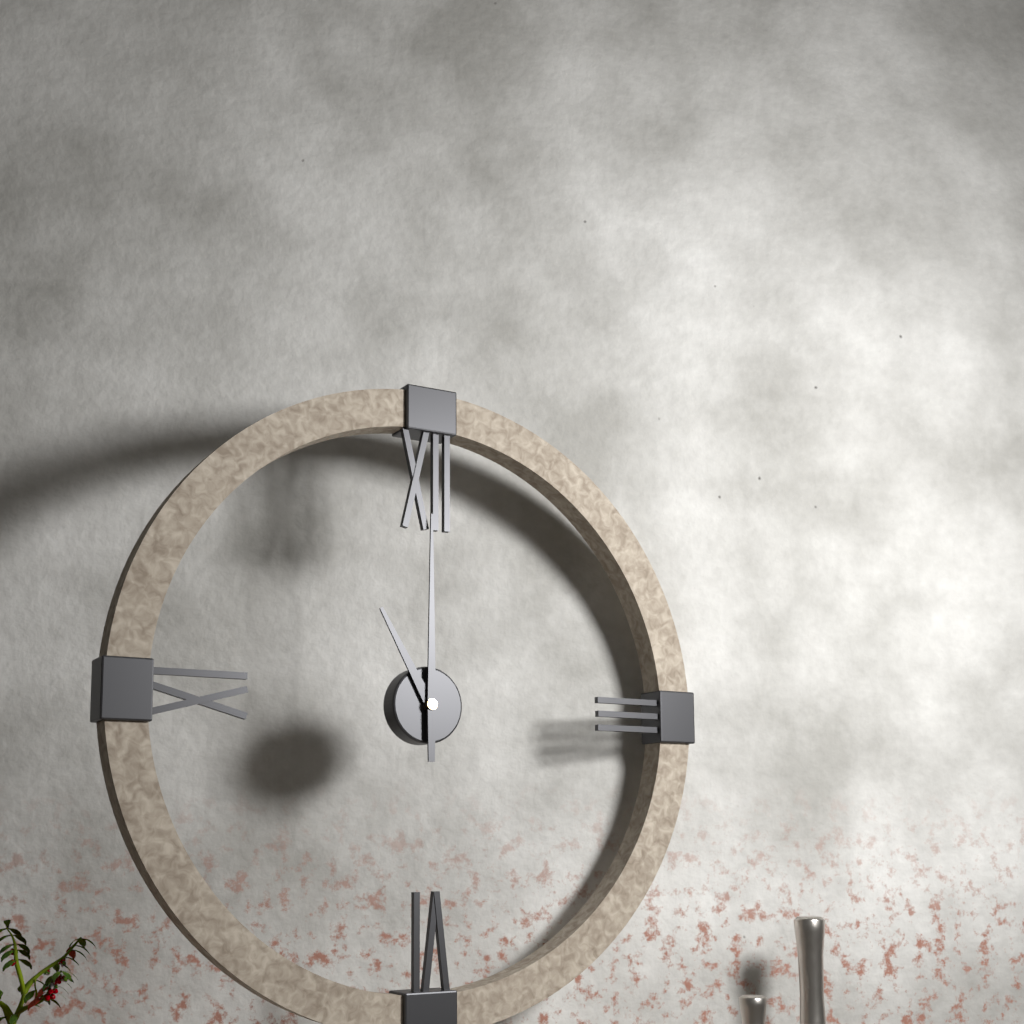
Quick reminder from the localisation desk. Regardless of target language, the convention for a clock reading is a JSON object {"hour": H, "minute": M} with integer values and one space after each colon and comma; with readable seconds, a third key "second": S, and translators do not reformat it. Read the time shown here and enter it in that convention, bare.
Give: {"hour": 11, "minute": 0}
